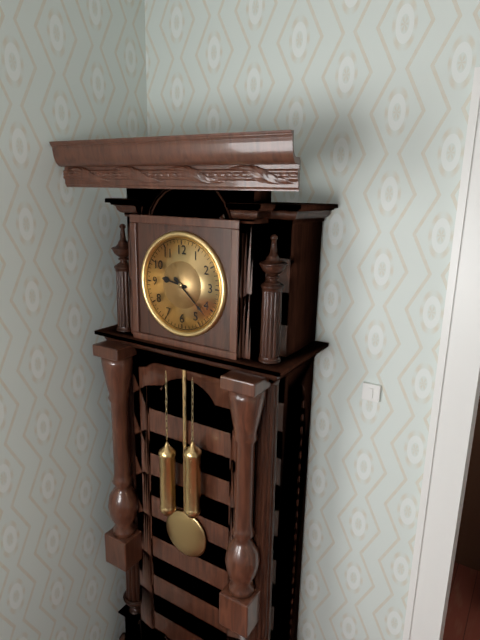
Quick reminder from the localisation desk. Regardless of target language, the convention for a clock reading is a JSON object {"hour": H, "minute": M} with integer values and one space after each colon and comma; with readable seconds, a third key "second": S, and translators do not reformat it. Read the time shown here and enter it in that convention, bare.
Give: {"hour": 9, "minute": 22}
